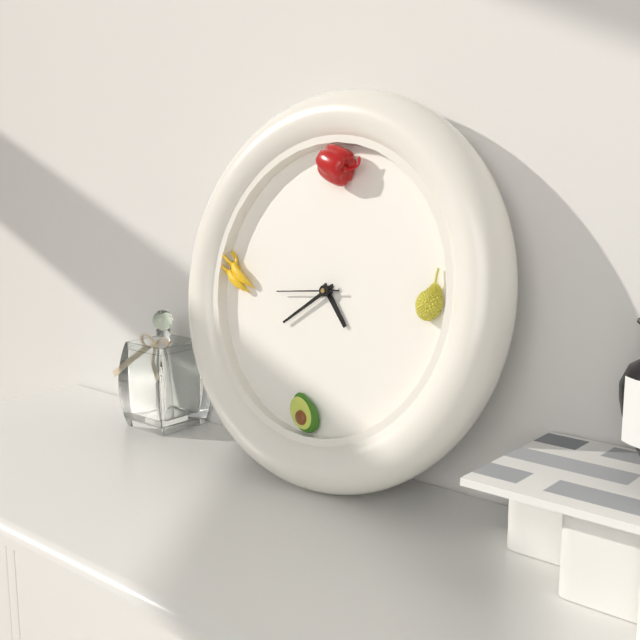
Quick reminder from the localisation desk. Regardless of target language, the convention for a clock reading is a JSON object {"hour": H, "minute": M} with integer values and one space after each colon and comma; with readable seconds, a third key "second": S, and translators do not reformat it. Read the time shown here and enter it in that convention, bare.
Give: {"hour": 4, "minute": 39, "second": 44}
